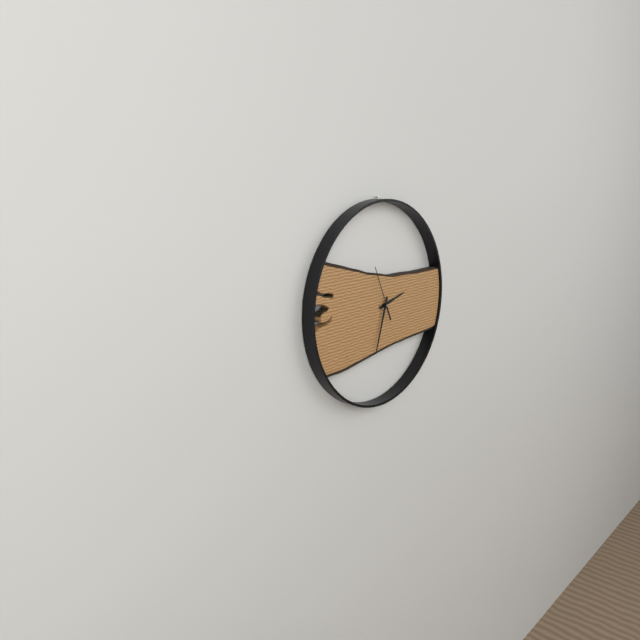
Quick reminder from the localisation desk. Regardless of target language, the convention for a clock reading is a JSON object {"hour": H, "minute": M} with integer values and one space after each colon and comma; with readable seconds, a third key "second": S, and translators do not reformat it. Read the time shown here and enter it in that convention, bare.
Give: {"hour": 2, "minute": 33, "second": 56}
